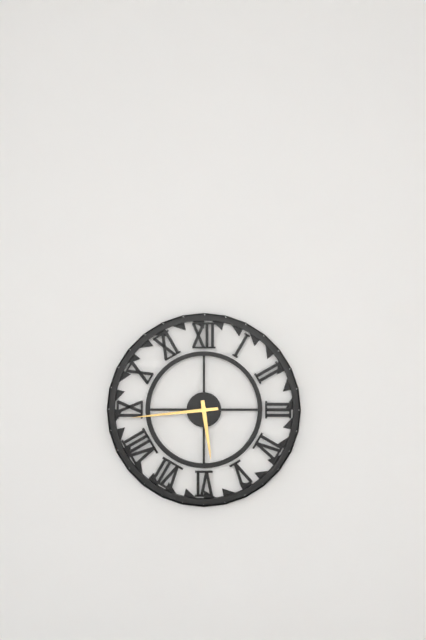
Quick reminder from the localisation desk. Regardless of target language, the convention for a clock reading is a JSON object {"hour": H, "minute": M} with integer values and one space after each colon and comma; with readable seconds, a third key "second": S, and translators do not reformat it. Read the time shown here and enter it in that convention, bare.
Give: {"hour": 5, "minute": 44}
